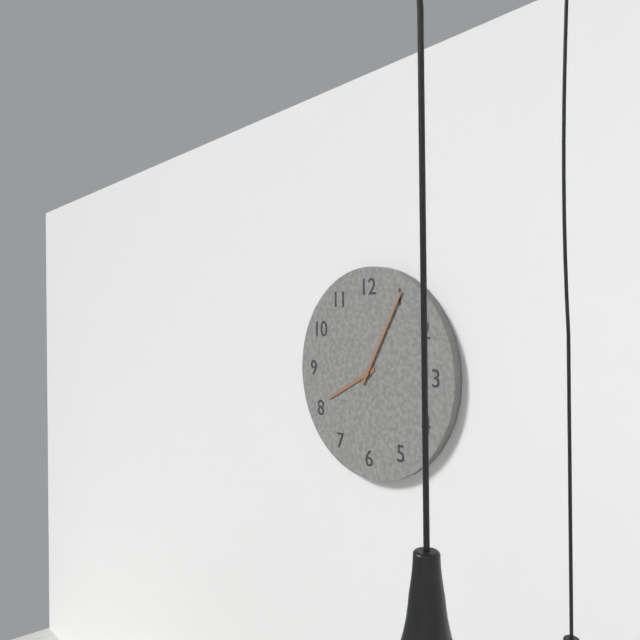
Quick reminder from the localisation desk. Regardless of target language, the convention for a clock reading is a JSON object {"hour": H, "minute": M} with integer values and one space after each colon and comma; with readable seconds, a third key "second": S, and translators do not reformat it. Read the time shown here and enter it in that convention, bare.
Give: {"hour": 8, "minute": 5}
